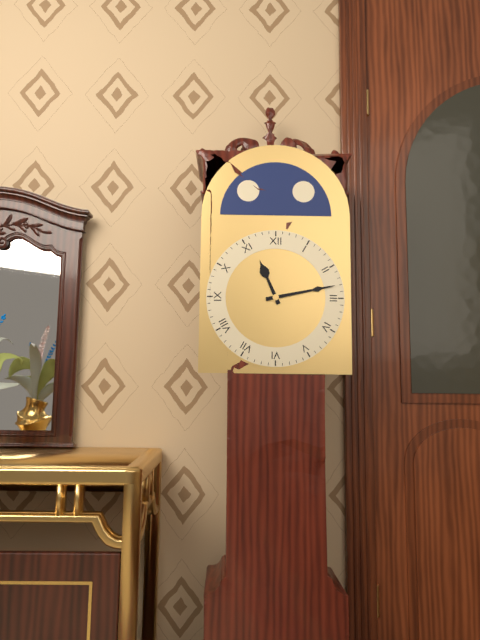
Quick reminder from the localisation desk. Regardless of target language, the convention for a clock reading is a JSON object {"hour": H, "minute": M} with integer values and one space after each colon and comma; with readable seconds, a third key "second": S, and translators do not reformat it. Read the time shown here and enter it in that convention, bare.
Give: {"hour": 11, "minute": 13}
